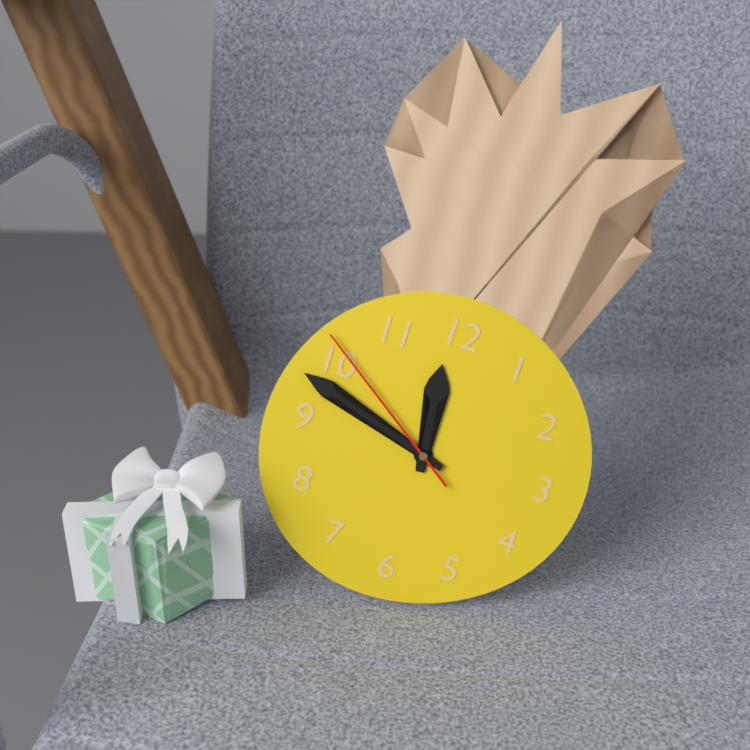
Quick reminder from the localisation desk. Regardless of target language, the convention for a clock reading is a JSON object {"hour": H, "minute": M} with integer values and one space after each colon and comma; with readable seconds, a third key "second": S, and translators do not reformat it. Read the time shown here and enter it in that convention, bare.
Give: {"hour": 11, "minute": 48, "second": 51}
